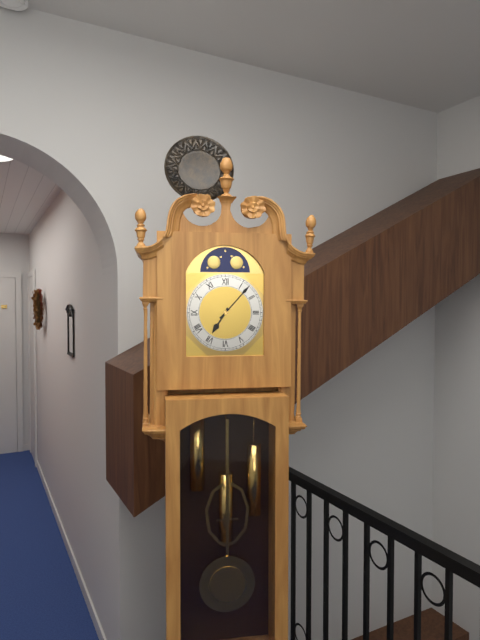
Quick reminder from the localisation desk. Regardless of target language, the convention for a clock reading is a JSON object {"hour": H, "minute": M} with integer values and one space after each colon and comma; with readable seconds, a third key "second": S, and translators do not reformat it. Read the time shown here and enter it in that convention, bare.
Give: {"hour": 7, "minute": 7}
